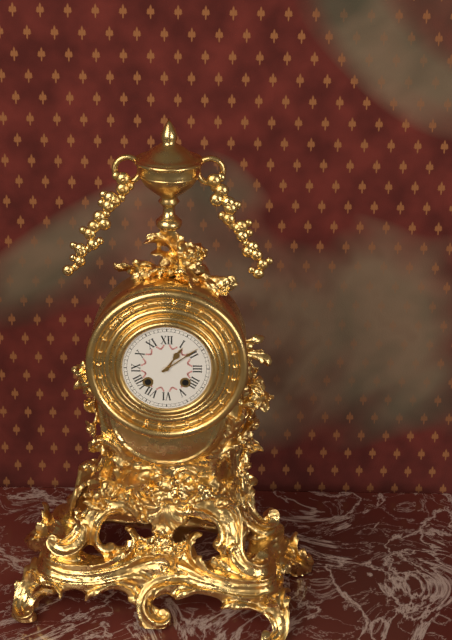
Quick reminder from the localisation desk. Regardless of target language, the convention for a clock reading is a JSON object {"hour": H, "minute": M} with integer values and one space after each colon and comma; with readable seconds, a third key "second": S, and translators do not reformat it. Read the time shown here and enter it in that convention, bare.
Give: {"hour": 1, "minute": 9}
